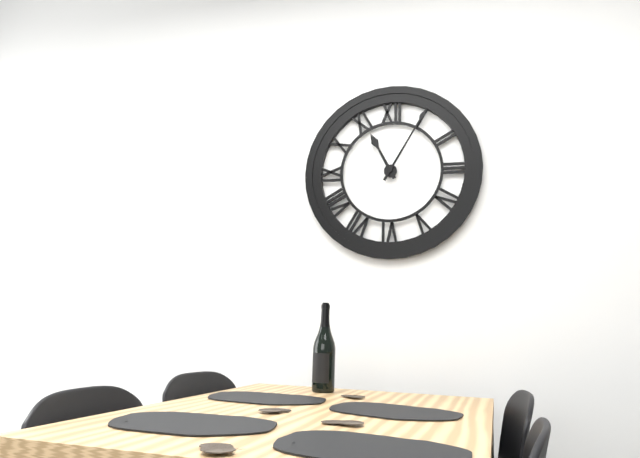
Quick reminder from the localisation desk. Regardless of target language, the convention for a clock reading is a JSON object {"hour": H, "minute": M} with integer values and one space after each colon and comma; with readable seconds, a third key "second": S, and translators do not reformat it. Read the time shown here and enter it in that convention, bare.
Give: {"hour": 11, "minute": 5}
